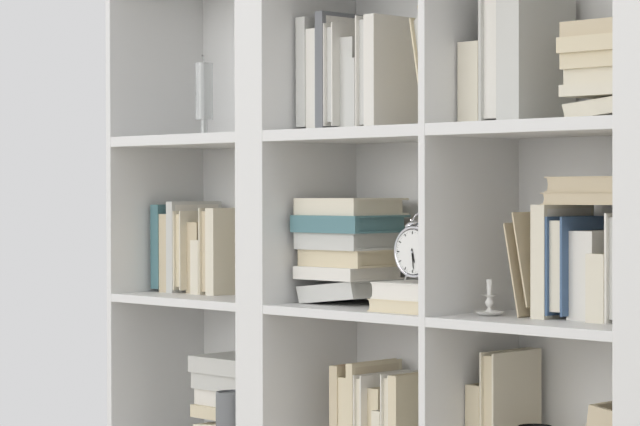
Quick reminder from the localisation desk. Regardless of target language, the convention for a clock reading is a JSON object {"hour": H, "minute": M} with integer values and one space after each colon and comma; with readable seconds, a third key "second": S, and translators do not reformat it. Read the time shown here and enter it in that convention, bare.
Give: {"hour": 5, "minute": 29}
